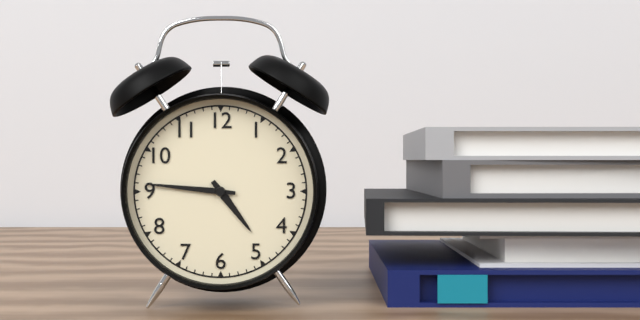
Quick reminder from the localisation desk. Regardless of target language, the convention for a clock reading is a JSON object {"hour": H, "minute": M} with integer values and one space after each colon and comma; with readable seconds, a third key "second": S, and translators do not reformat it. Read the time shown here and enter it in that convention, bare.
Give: {"hour": 4, "minute": 46}
